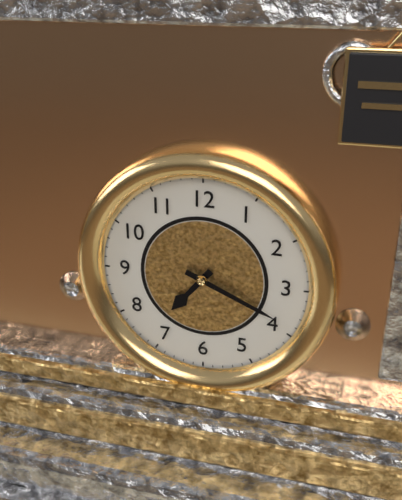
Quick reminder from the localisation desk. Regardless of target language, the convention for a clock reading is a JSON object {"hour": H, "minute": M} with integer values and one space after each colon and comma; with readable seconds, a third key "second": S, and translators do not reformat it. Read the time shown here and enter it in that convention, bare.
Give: {"hour": 7, "minute": 19}
